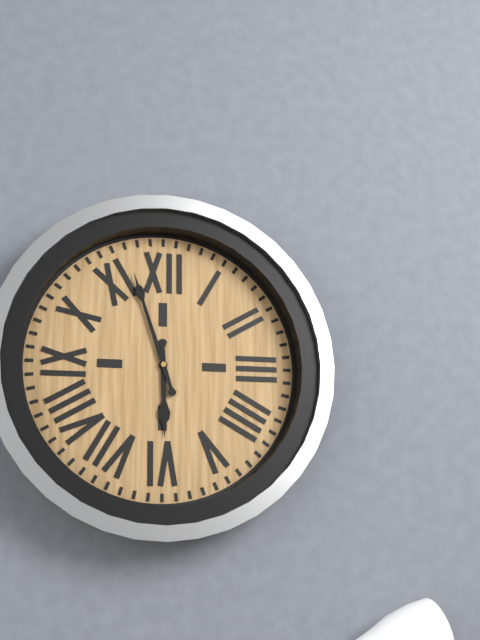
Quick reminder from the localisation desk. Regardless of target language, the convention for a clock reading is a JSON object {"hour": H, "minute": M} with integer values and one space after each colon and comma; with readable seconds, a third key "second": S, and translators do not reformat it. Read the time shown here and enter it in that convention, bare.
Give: {"hour": 5, "minute": 57}
